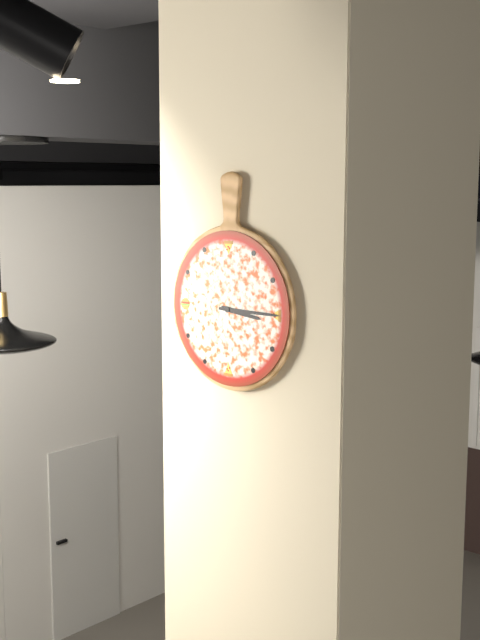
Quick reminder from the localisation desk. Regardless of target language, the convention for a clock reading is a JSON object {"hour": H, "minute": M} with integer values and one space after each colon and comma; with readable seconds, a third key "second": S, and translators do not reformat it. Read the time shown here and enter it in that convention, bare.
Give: {"hour": 3, "minute": 15}
